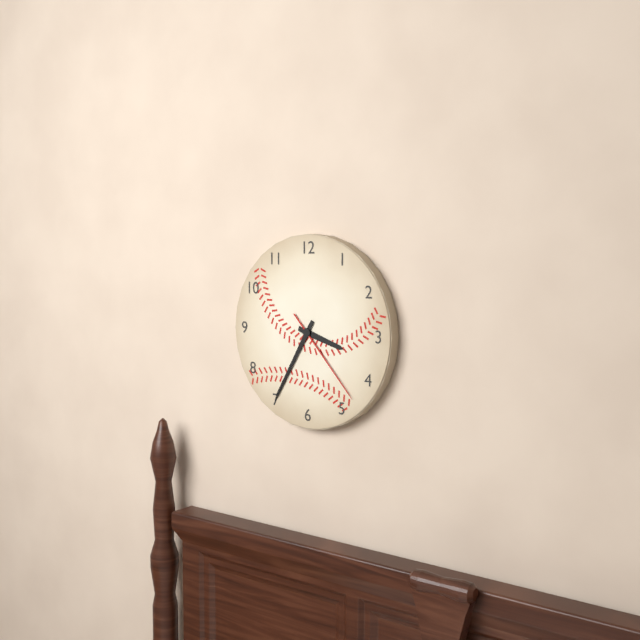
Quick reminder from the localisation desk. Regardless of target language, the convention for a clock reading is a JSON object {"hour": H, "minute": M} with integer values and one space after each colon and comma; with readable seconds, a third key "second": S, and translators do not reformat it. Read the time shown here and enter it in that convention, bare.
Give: {"hour": 3, "minute": 35, "second": 23}
